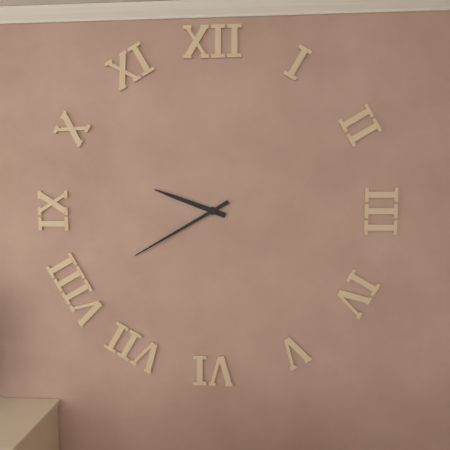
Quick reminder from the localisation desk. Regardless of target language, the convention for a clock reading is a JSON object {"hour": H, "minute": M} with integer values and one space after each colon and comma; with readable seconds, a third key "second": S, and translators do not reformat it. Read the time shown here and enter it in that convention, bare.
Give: {"hour": 9, "minute": 40}
